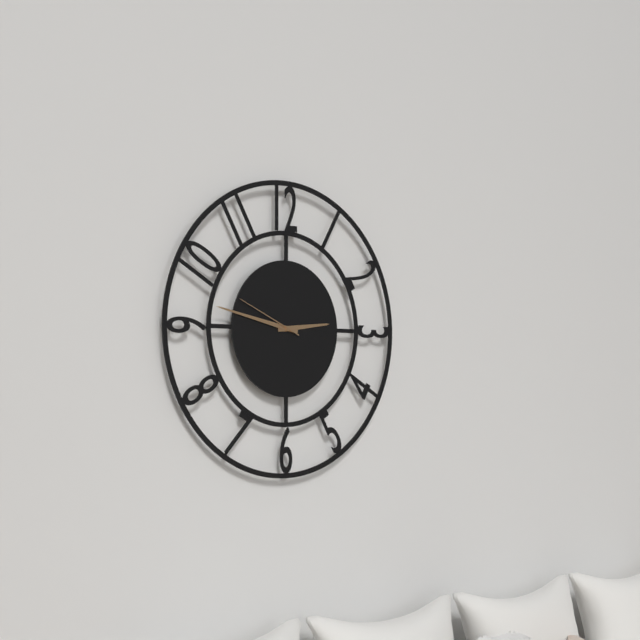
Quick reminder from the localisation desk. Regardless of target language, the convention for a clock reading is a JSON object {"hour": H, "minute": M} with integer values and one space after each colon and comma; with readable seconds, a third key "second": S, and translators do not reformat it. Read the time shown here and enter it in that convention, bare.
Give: {"hour": 2, "minute": 47, "second": 49}
